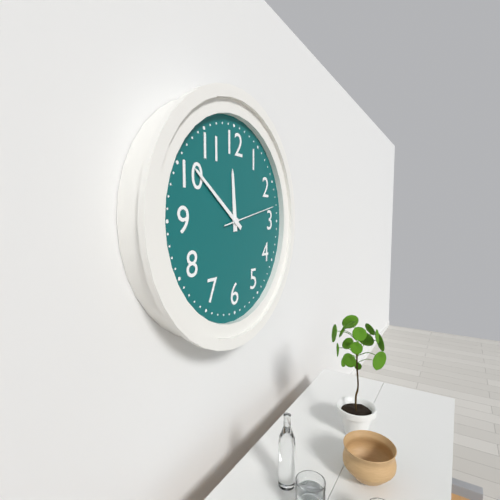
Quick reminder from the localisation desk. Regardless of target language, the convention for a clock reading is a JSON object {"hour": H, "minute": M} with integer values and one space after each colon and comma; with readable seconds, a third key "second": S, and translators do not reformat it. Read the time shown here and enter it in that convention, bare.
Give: {"hour": 11, "minute": 51, "second": 13}
